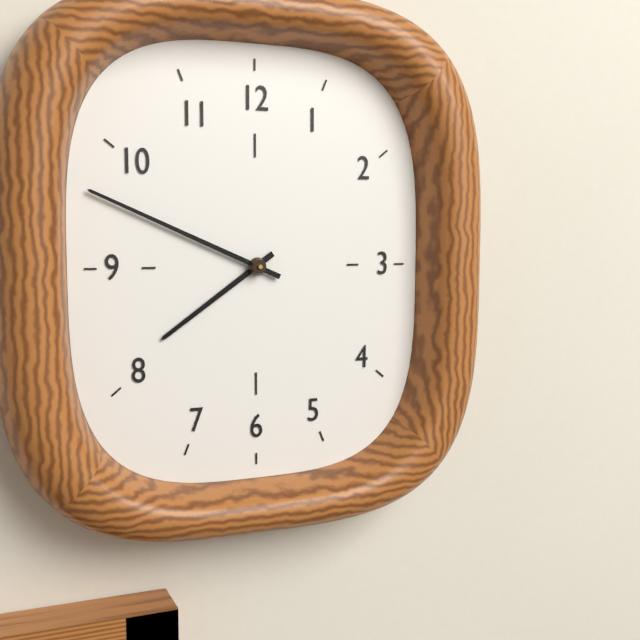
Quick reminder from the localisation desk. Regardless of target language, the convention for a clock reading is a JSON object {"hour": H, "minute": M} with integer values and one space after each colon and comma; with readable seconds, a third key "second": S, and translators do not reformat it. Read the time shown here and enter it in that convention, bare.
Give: {"hour": 7, "minute": 49}
